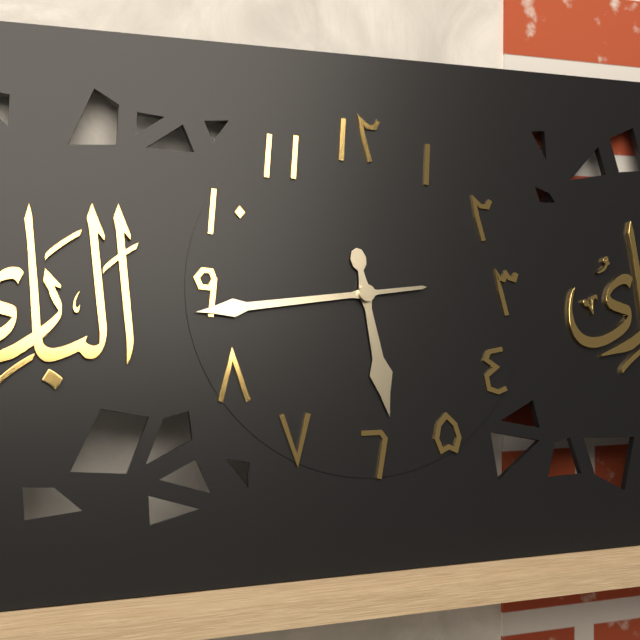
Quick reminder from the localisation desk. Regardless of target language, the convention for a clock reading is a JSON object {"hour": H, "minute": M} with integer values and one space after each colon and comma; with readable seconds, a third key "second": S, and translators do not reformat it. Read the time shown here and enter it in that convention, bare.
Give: {"hour": 5, "minute": 44}
